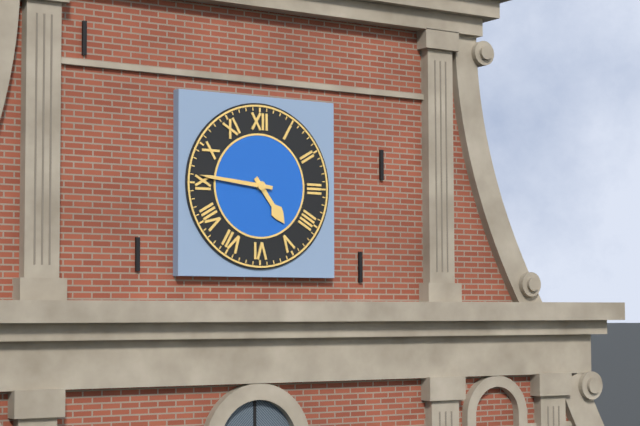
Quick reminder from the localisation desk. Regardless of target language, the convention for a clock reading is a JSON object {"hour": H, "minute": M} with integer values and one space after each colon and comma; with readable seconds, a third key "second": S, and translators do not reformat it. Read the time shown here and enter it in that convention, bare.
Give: {"hour": 4, "minute": 46}
